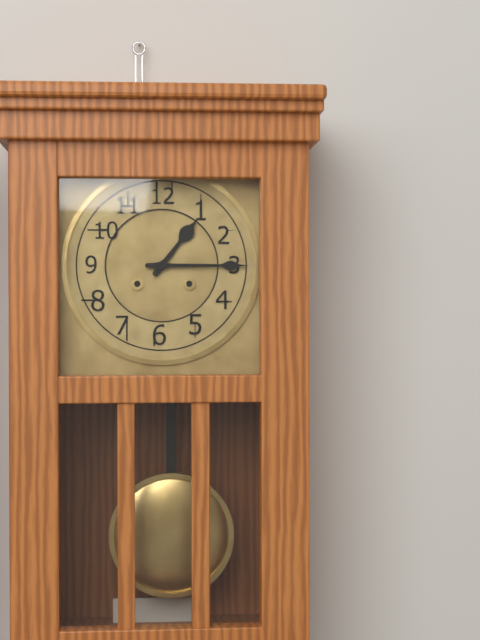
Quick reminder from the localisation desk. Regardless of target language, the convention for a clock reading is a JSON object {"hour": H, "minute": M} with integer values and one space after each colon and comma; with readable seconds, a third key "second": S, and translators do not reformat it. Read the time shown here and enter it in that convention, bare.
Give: {"hour": 1, "minute": 15}
